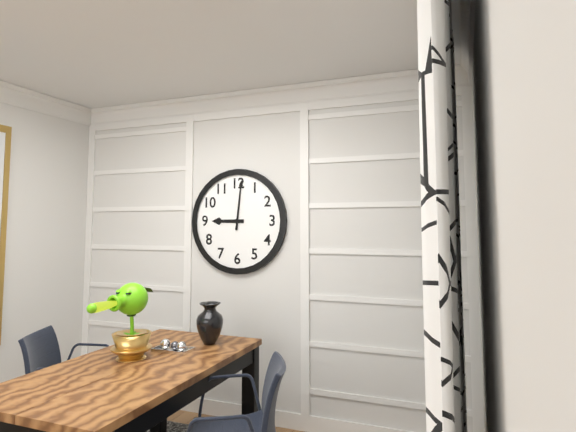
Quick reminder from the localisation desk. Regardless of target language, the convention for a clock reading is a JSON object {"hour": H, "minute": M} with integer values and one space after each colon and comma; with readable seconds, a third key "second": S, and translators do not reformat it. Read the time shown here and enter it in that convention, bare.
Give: {"hour": 9, "minute": 1}
